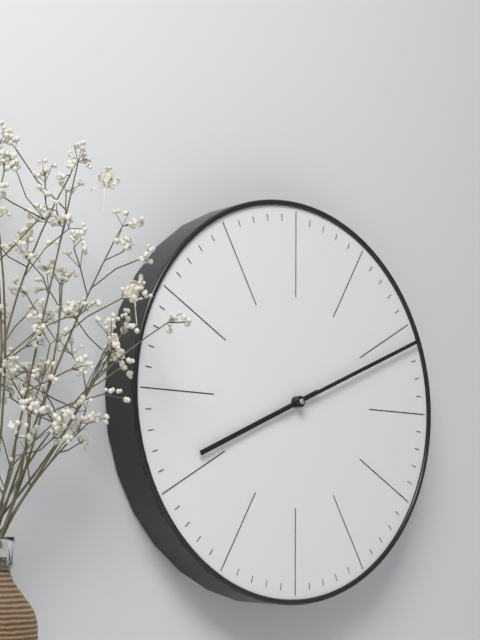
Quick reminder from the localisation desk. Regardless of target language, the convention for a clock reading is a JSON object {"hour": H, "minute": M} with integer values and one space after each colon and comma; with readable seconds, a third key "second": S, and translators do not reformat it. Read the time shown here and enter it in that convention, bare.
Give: {"hour": 8, "minute": 11}
